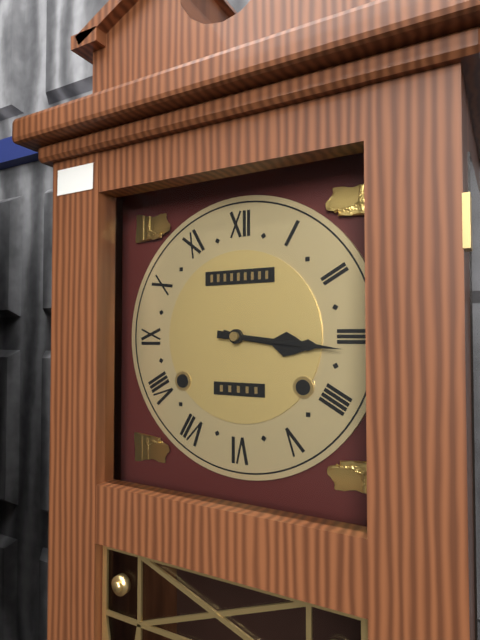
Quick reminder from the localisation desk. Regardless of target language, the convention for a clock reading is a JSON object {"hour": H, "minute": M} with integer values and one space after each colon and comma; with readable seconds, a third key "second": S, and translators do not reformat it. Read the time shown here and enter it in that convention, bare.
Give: {"hour": 3, "minute": 16}
